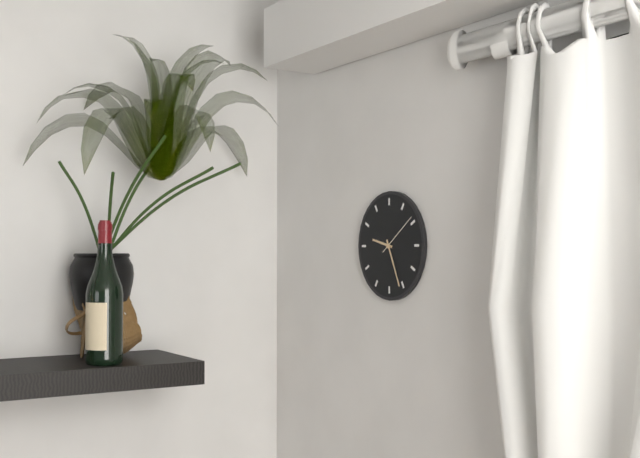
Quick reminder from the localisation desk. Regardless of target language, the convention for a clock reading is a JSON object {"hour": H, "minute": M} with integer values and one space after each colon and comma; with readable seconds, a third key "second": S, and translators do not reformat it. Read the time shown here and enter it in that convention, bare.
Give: {"hour": 9, "minute": 26}
